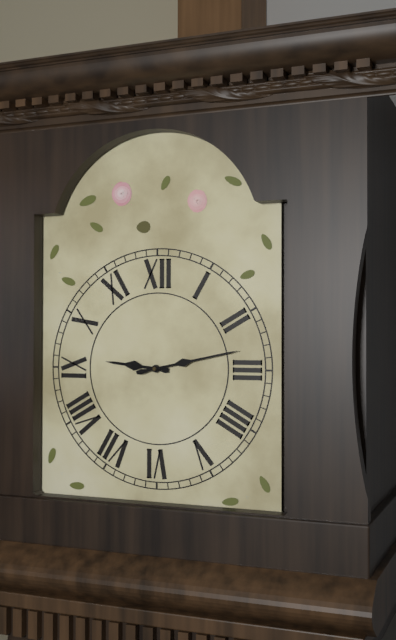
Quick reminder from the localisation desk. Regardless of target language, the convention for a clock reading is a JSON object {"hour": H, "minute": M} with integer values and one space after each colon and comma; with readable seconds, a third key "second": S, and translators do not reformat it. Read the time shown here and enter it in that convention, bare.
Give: {"hour": 9, "minute": 13}
